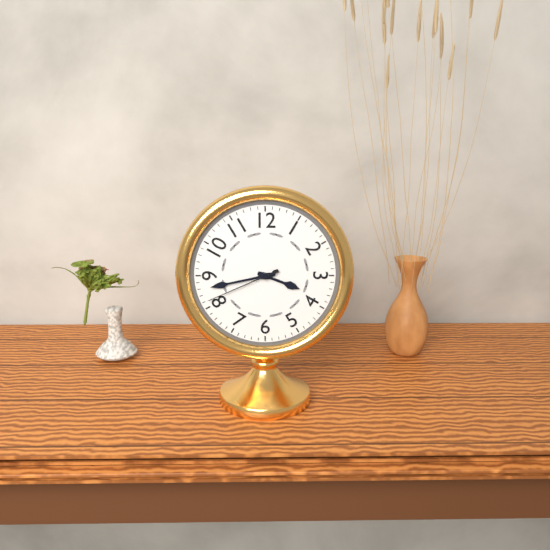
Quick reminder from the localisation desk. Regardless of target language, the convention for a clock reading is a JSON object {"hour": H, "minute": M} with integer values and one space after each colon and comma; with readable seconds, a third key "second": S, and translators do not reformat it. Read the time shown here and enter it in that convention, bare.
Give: {"hour": 3, "minute": 43, "second": 41}
